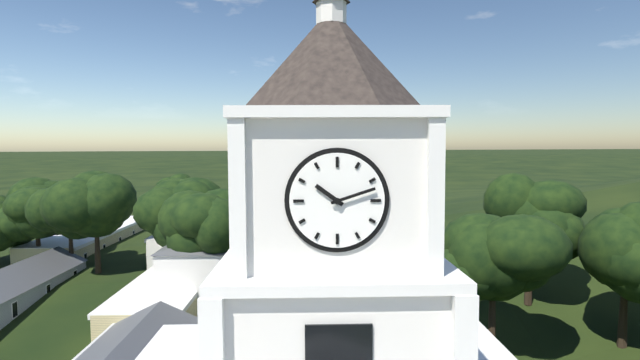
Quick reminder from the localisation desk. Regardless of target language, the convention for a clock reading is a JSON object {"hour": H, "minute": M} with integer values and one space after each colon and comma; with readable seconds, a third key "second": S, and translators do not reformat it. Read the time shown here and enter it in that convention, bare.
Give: {"hour": 10, "minute": 12}
